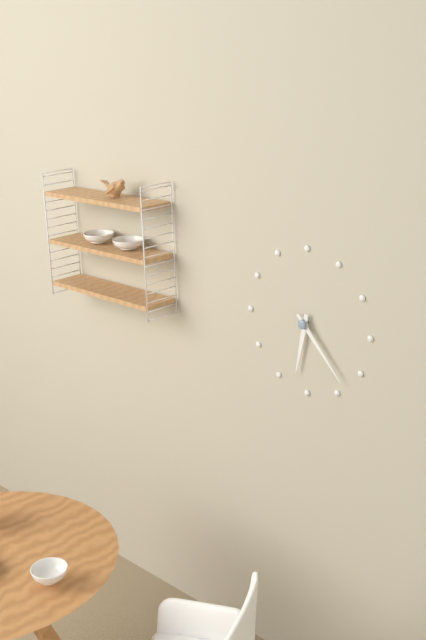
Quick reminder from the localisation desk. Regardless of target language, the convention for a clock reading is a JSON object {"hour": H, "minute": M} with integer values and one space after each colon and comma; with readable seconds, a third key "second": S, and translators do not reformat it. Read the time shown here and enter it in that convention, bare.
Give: {"hour": 6, "minute": 23}
